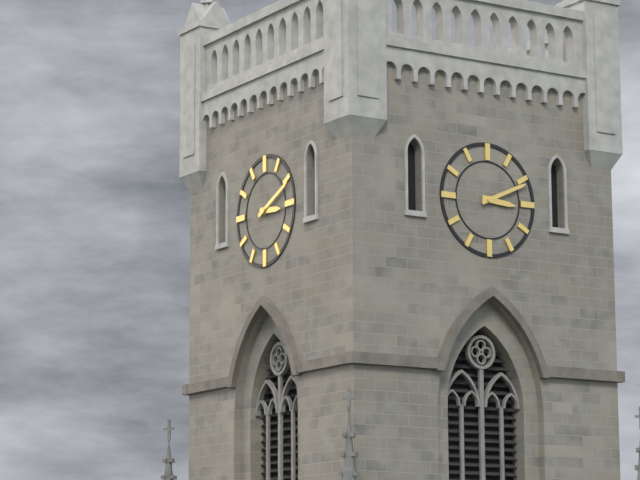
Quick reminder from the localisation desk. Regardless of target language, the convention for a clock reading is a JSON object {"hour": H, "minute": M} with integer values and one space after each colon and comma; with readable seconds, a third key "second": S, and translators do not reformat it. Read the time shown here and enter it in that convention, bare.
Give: {"hour": 3, "minute": 11}
